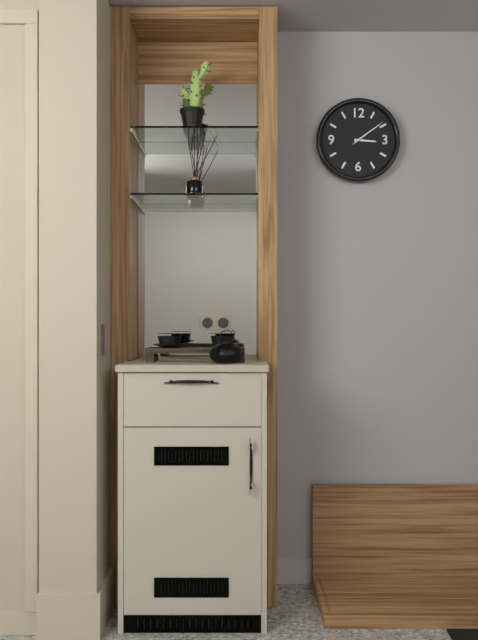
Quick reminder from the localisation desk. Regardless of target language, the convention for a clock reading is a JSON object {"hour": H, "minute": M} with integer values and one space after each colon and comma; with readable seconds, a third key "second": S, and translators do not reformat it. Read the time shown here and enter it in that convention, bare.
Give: {"hour": 3, "minute": 9}
